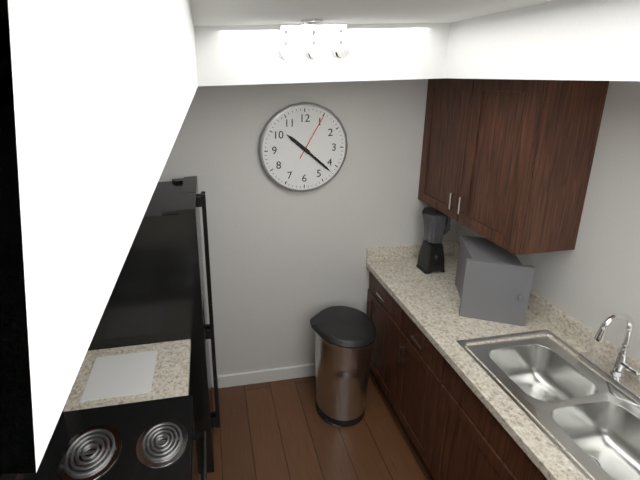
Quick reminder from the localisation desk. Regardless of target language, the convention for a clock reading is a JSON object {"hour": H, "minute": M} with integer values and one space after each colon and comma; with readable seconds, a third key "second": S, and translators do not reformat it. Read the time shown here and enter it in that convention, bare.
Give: {"hour": 10, "minute": 22}
